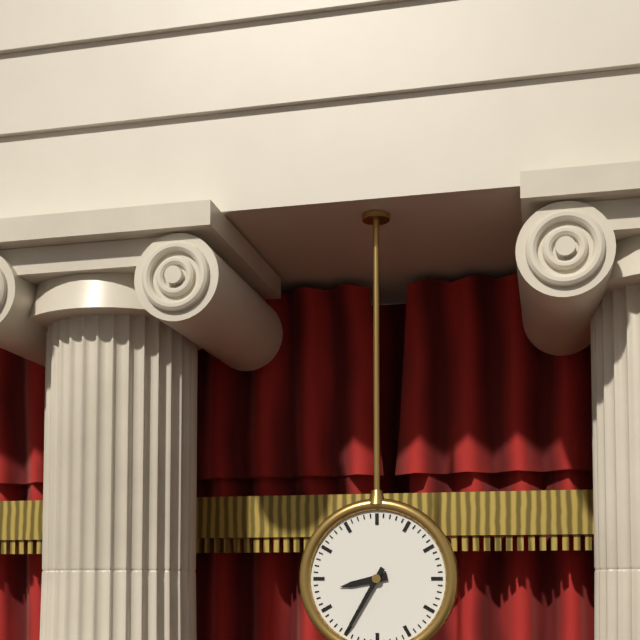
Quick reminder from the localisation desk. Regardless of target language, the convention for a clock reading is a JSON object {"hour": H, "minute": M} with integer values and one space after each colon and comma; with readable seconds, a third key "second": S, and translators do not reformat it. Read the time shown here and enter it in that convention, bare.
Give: {"hour": 8, "minute": 35}
